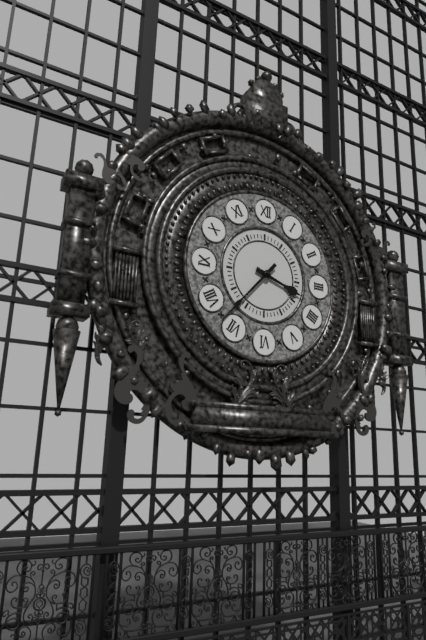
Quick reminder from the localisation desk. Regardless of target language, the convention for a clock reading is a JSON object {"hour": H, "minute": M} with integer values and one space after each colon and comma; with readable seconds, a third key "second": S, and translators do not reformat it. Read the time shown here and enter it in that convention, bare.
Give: {"hour": 3, "minute": 37}
